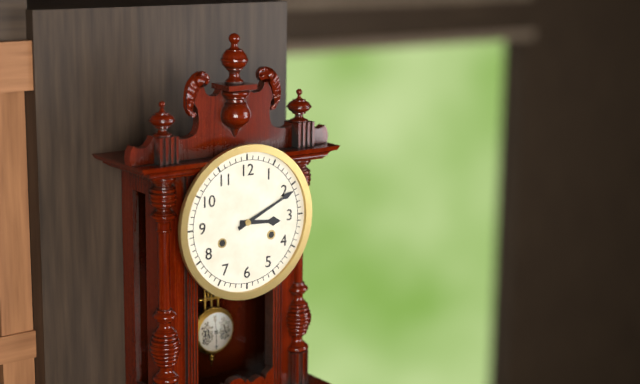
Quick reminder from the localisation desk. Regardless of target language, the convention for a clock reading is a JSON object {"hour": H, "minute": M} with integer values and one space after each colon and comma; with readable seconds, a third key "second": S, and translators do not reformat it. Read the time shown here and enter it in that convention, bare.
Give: {"hour": 3, "minute": 11}
